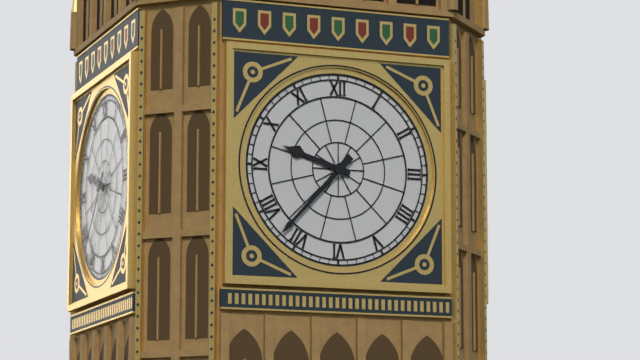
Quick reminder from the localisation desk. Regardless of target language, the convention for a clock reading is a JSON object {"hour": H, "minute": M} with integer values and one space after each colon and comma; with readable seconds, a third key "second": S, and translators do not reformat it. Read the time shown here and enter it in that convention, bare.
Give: {"hour": 9, "minute": 37}
